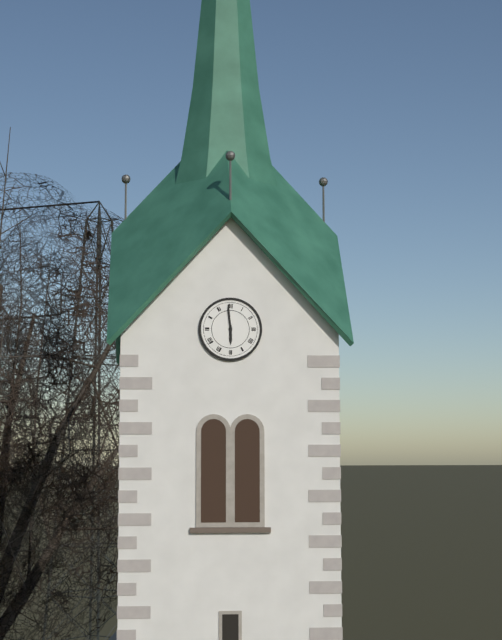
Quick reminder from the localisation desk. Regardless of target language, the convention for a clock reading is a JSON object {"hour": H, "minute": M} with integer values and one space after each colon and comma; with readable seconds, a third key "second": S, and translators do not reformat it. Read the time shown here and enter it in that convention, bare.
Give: {"hour": 5, "minute": 59}
